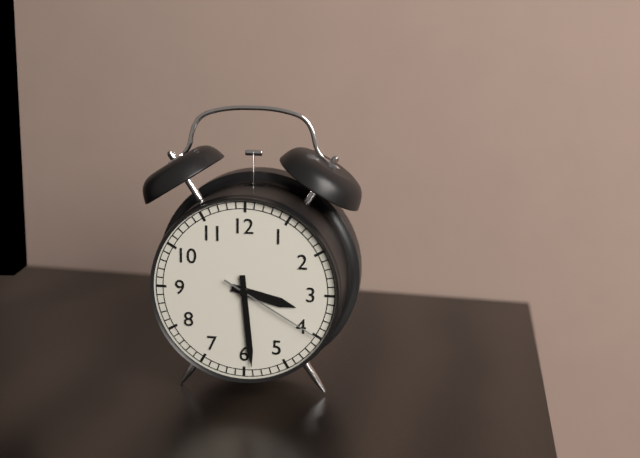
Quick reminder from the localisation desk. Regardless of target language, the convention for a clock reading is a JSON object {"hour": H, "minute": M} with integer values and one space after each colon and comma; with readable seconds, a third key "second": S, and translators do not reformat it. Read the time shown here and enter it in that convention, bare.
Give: {"hour": 3, "minute": 29, "second": 20}
